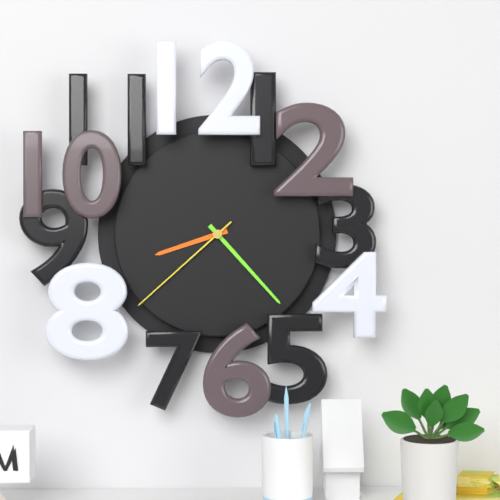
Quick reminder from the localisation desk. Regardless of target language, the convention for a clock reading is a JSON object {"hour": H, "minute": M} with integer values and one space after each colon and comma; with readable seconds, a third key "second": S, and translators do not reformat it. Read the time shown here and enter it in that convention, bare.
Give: {"hour": 8, "minute": 23, "second": 38}
